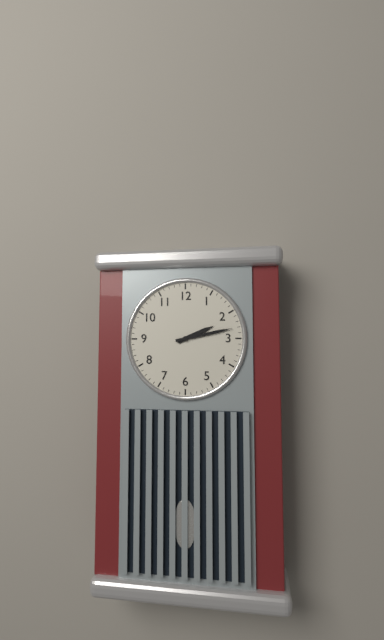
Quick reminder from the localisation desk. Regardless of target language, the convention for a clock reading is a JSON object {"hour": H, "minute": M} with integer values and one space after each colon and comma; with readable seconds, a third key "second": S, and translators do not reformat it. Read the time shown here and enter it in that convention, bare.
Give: {"hour": 2, "minute": 13}
